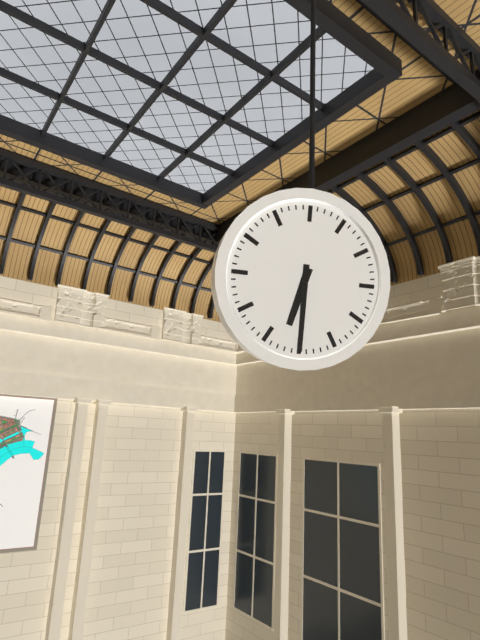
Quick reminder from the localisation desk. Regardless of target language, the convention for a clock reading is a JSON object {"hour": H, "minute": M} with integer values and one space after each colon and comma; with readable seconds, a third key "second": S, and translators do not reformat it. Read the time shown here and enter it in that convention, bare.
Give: {"hour": 6, "minute": 30}
